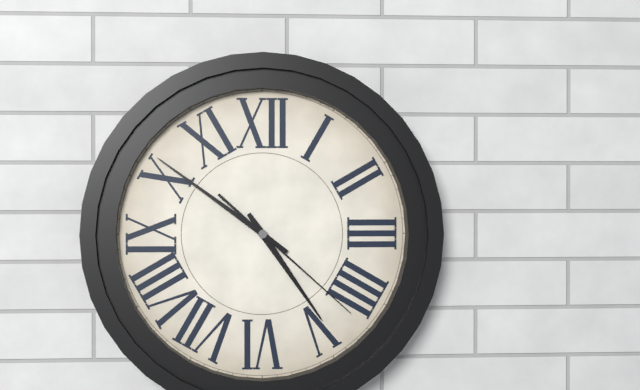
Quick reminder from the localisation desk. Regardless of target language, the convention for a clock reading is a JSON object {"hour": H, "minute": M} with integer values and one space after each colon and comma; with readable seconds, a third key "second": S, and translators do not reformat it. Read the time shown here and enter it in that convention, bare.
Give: {"hour": 4, "minute": 51, "second": 22}
